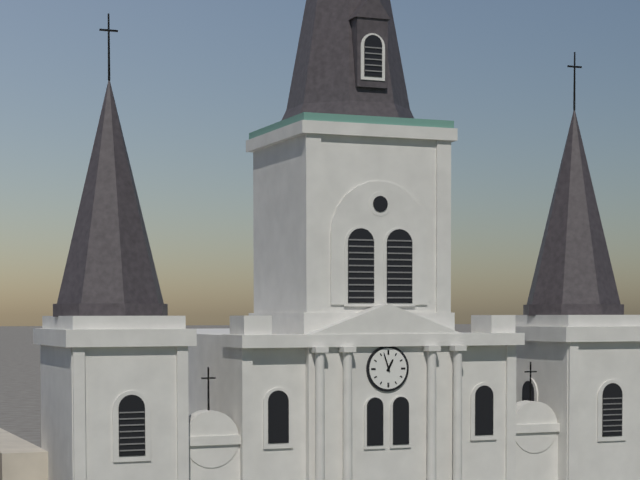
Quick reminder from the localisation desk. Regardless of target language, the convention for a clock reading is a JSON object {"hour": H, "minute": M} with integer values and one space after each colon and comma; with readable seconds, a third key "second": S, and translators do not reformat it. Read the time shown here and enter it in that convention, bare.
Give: {"hour": 12, "minute": 57}
